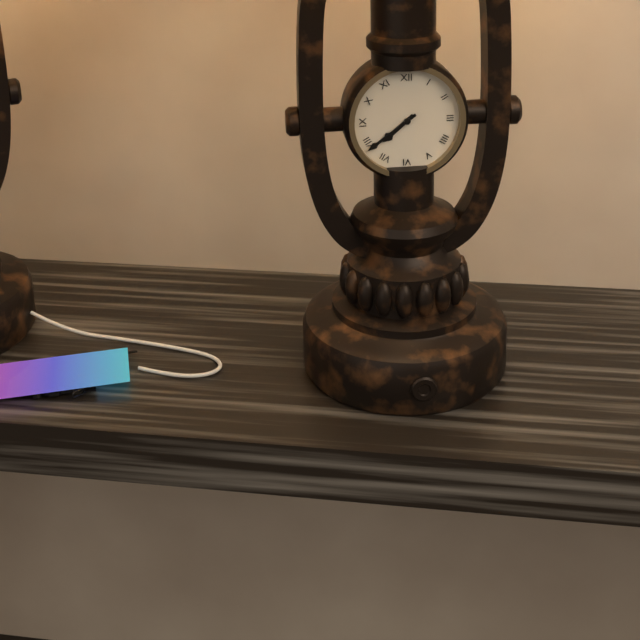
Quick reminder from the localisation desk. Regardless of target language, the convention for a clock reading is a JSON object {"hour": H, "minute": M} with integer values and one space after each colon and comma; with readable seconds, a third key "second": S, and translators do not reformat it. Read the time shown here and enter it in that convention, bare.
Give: {"hour": 7, "minute": 39}
